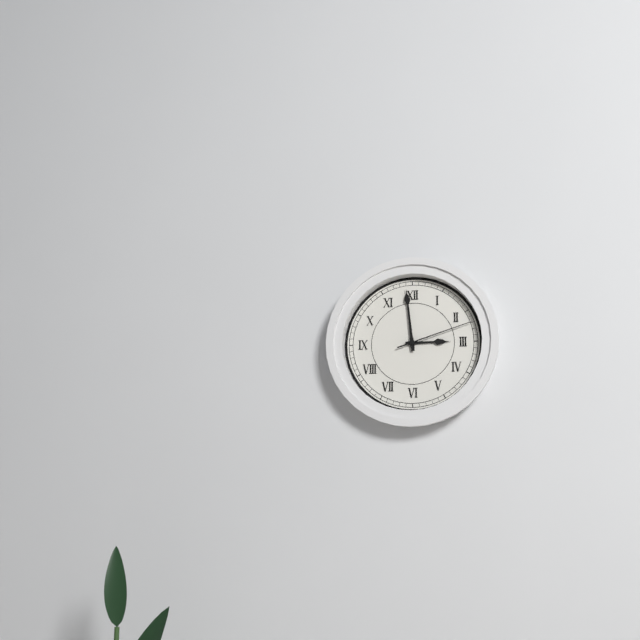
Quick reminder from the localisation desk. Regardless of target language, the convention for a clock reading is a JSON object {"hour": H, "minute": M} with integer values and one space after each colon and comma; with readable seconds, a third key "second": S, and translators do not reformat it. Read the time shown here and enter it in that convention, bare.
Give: {"hour": 2, "minute": 59, "second": 12}
